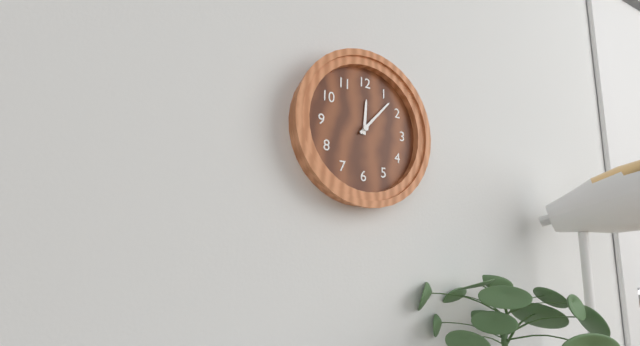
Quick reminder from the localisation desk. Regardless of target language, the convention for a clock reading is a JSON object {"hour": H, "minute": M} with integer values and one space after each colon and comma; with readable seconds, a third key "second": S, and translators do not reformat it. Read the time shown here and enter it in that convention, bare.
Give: {"hour": 12, "minute": 7}
